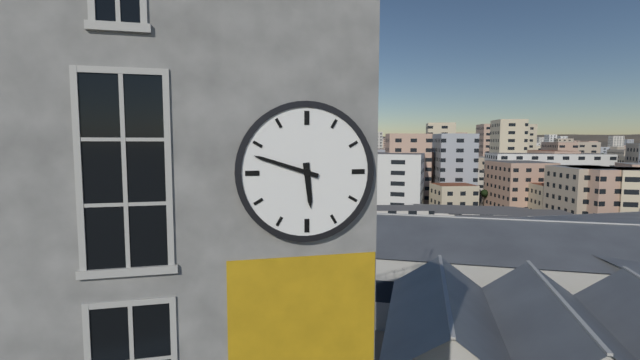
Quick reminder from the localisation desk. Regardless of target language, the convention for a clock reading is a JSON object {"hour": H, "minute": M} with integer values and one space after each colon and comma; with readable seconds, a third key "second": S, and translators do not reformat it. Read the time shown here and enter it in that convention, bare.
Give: {"hour": 5, "minute": 48}
